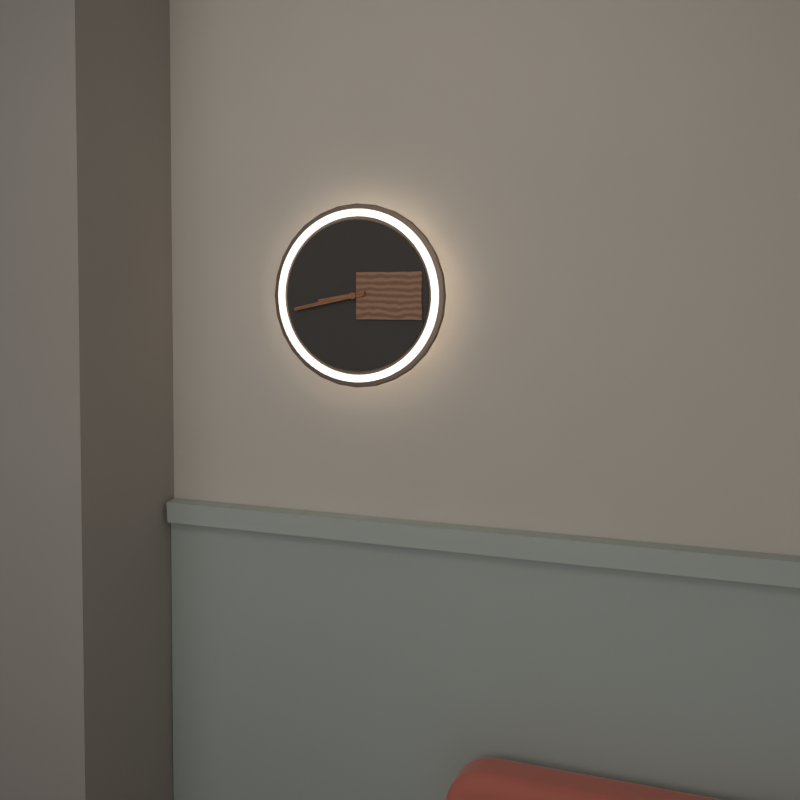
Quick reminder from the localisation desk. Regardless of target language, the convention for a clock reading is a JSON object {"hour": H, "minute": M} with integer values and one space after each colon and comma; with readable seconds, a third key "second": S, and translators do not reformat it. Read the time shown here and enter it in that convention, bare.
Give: {"hour": 8, "minute": 43}
